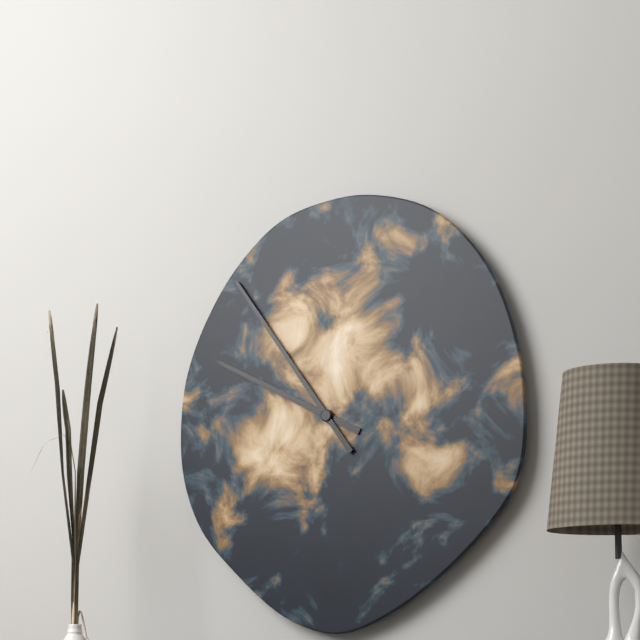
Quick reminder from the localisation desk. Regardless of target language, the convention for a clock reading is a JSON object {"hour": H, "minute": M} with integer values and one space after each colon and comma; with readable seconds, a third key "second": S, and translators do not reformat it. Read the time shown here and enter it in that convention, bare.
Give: {"hour": 9, "minute": 54}
